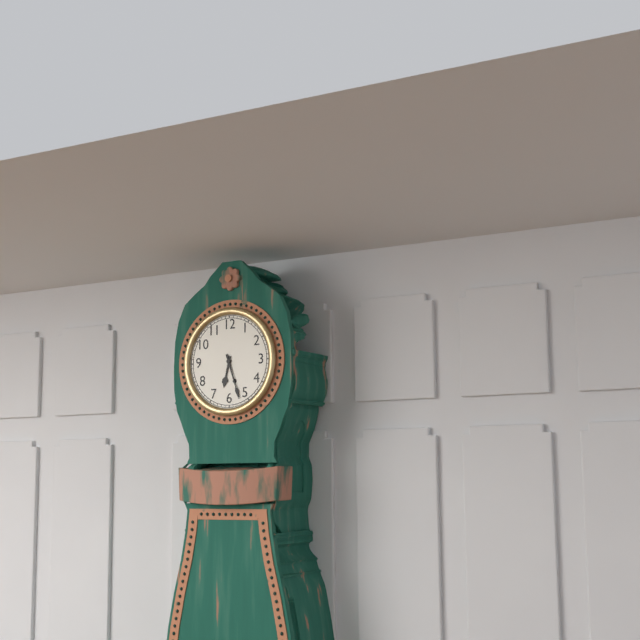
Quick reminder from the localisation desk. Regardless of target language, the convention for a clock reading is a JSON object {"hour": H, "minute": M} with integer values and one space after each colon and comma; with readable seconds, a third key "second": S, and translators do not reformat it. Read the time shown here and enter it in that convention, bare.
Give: {"hour": 6, "minute": 27}
